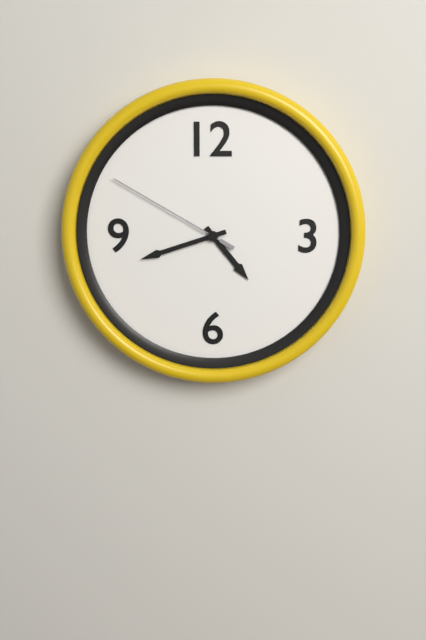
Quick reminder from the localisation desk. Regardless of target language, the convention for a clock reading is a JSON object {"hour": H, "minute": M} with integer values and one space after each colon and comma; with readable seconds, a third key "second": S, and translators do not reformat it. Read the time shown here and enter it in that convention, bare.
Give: {"hour": 4, "minute": 42, "second": 50}
